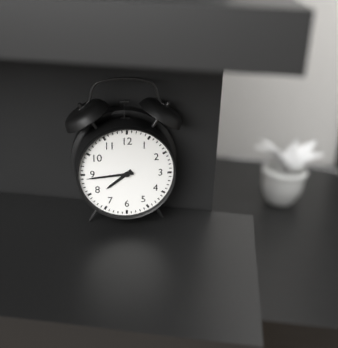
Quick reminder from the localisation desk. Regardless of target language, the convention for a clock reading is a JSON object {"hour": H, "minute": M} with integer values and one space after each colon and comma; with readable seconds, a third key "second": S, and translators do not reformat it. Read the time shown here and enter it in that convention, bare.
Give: {"hour": 7, "minute": 44}
